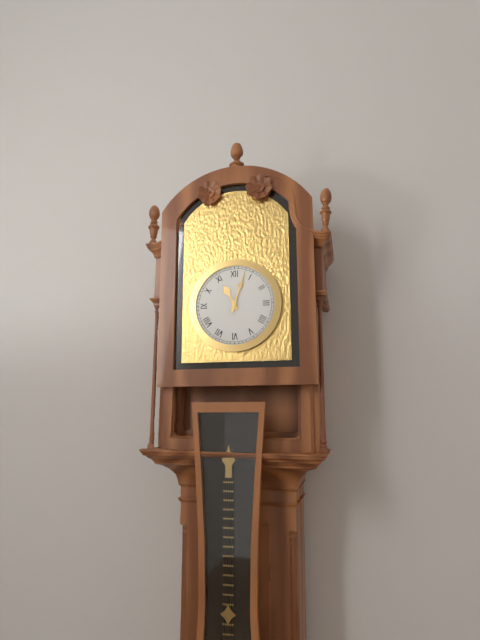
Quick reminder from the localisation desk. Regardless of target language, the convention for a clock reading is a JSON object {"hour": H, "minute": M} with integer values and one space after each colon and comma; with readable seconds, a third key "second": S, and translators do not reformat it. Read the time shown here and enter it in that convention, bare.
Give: {"hour": 11, "minute": 3}
